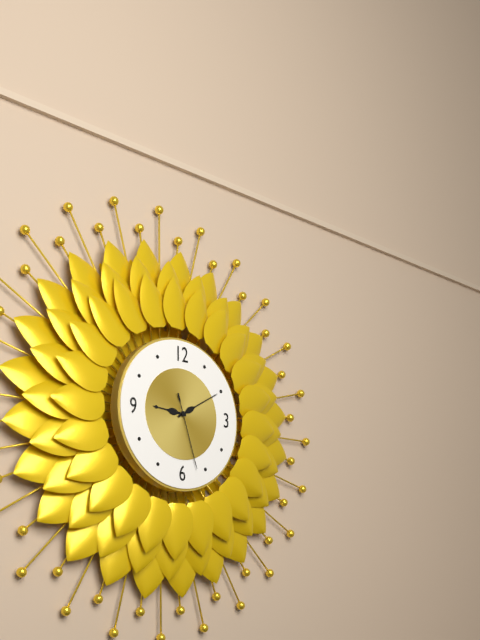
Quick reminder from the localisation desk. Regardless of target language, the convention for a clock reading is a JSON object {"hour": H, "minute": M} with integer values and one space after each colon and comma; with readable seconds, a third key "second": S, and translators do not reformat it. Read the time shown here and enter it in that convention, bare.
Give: {"hour": 9, "minute": 10, "second": 27}
